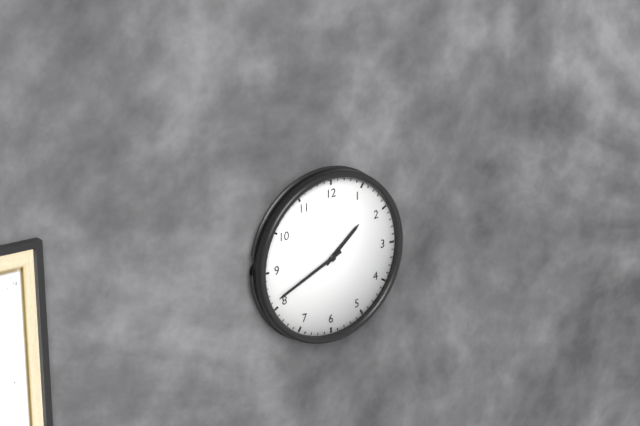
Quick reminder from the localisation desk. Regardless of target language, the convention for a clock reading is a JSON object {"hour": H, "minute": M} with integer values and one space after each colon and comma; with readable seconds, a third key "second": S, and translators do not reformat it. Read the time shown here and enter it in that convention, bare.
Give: {"hour": 1, "minute": 41}
